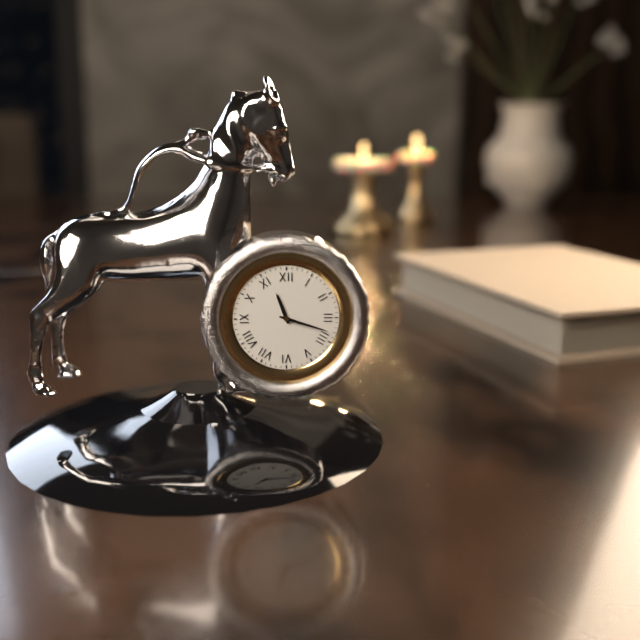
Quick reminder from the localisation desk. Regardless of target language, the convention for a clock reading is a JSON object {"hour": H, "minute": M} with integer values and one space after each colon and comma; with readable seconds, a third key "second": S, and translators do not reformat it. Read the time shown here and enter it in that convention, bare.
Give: {"hour": 11, "minute": 18}
